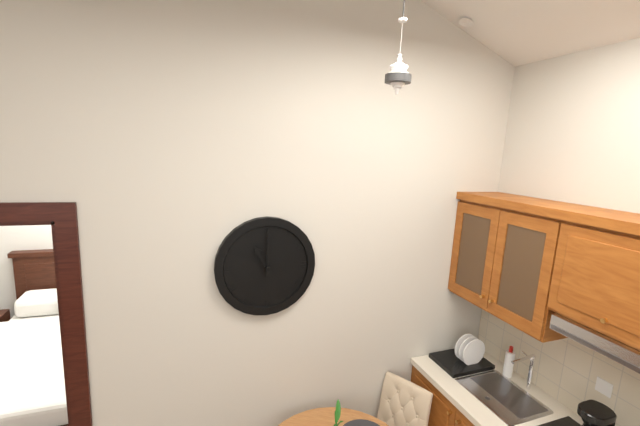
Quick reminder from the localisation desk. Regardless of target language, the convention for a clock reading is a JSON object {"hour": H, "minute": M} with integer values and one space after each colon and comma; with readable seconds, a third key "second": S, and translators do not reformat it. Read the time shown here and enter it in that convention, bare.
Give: {"hour": 11, "minute": 0}
